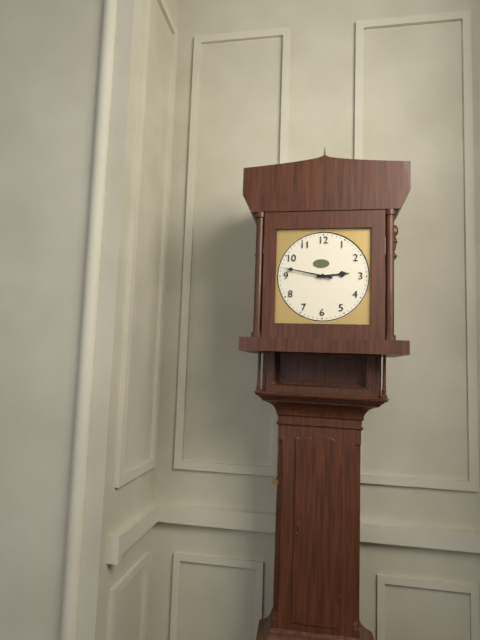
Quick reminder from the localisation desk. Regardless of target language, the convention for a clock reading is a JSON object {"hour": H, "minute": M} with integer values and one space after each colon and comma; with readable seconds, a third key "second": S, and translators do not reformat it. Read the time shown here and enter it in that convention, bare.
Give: {"hour": 2, "minute": 47}
